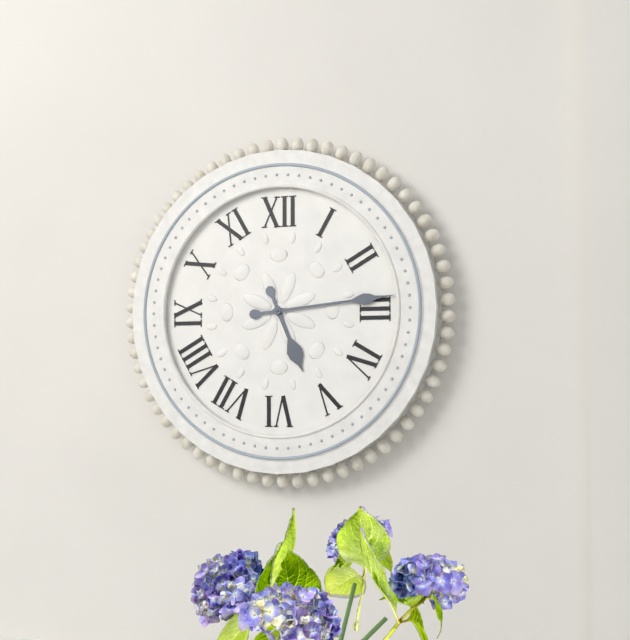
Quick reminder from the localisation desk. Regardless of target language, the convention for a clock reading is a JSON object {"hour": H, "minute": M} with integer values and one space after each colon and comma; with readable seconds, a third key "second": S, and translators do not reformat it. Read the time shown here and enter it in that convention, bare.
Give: {"hour": 5, "minute": 14}
